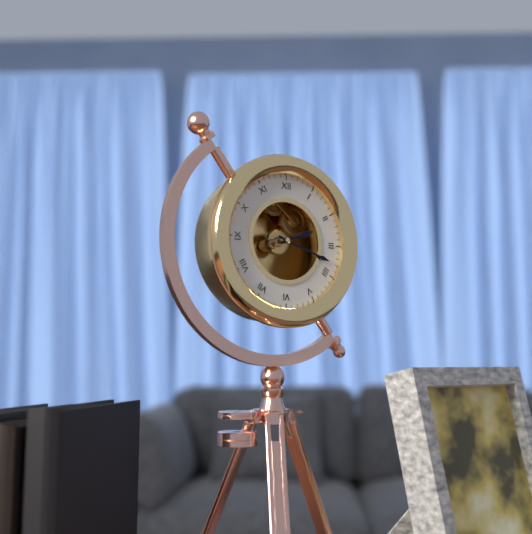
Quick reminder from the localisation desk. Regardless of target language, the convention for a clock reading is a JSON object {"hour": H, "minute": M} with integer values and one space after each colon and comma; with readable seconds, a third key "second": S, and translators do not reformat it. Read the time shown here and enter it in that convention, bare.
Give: {"hour": 2, "minute": 18}
